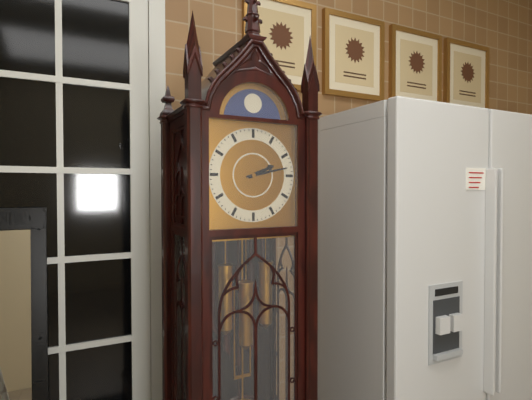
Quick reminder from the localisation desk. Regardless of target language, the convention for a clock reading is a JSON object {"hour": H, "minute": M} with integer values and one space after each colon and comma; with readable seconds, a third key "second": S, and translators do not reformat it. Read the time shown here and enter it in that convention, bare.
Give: {"hour": 2, "minute": 13}
